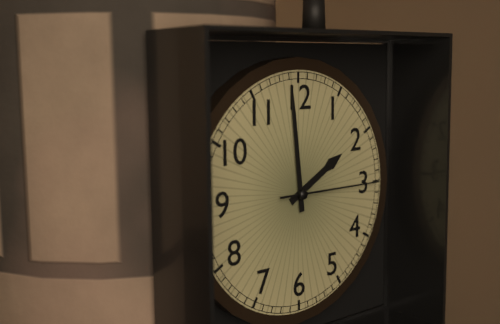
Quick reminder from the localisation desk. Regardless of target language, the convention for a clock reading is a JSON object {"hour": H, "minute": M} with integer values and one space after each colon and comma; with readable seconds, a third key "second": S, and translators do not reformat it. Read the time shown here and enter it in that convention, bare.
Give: {"hour": 1, "minute": 59, "second": 15}
